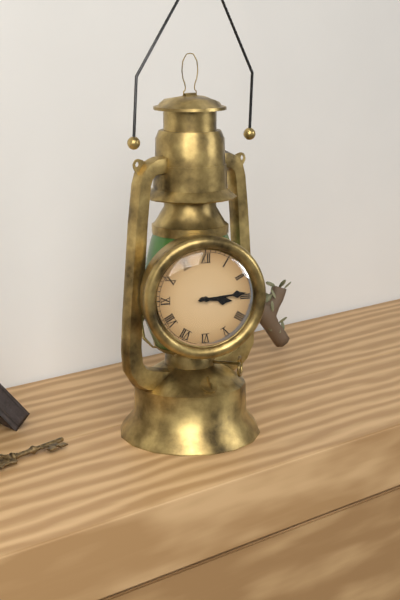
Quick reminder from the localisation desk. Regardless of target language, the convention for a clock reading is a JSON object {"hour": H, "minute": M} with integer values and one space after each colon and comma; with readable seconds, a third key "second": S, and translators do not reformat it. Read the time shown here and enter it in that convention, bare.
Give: {"hour": 3, "minute": 14}
